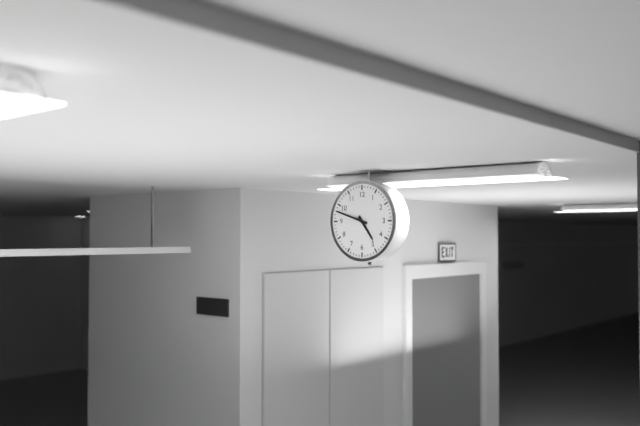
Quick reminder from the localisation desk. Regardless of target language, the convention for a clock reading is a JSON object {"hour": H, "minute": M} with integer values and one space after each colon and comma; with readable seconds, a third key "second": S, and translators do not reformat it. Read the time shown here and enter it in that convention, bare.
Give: {"hour": 4, "minute": 48}
